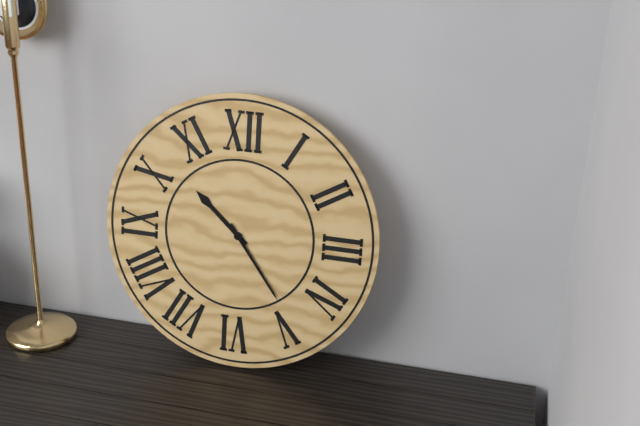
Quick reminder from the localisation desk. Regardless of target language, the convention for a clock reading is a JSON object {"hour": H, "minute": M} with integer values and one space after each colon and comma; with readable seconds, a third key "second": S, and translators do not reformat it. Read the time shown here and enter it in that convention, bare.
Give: {"hour": 10, "minute": 24}
